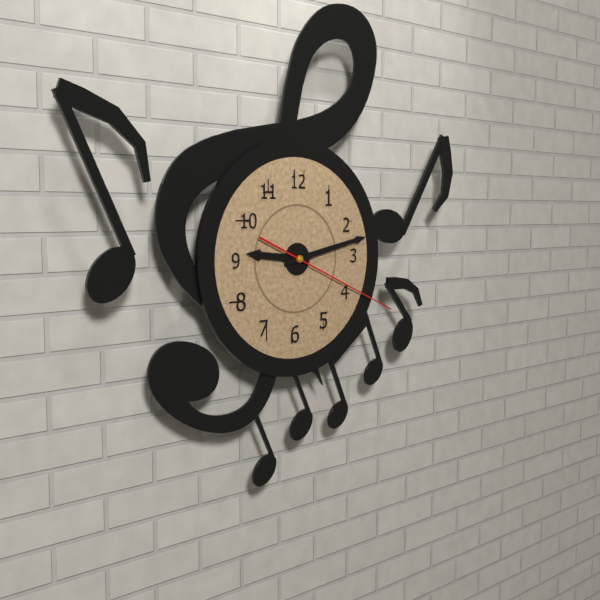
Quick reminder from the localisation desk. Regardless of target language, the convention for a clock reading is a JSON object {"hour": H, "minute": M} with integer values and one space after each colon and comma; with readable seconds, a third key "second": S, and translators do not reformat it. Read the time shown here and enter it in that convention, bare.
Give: {"hour": 9, "minute": 13, "second": 19}
